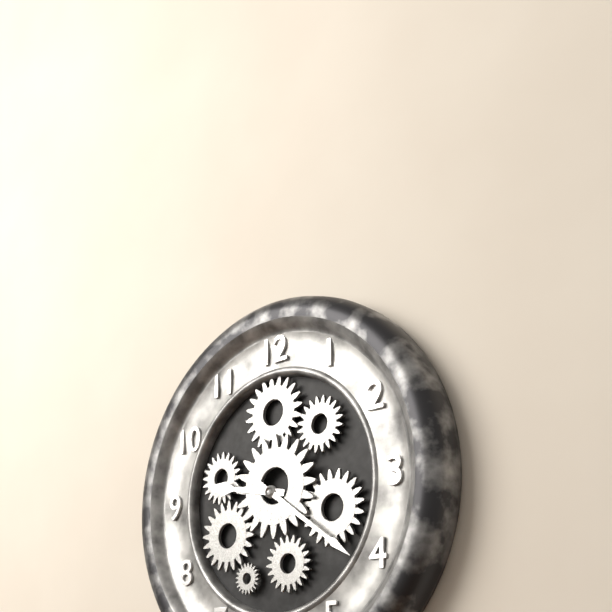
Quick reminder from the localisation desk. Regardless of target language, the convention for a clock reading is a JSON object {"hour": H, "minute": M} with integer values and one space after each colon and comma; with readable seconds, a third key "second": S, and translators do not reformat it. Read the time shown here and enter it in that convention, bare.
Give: {"hour": 9, "minute": 21}
